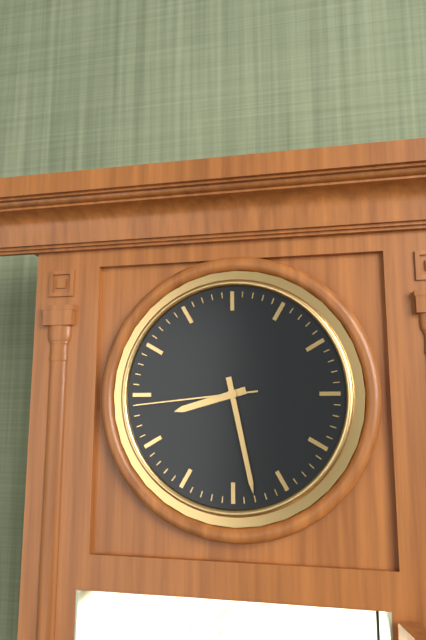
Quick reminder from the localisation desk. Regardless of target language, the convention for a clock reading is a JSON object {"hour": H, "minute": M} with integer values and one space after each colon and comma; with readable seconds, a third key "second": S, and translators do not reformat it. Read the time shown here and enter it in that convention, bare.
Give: {"hour": 8, "minute": 28, "second": 44}
